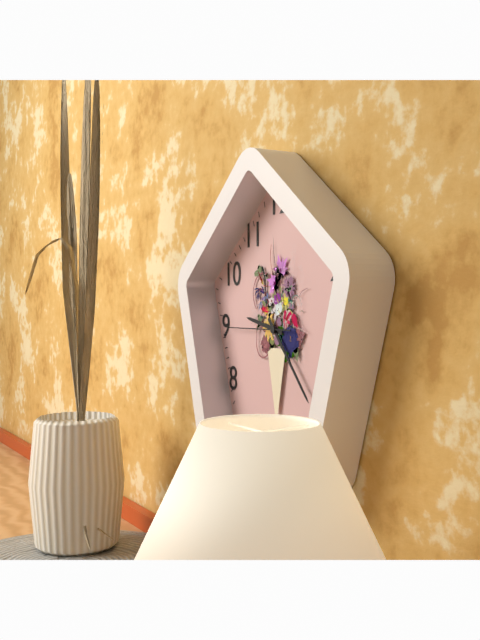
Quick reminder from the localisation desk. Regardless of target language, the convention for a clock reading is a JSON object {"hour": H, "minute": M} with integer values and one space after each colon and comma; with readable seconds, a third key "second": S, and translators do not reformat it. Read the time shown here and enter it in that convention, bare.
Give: {"hour": 9, "minute": 23, "second": 45}
